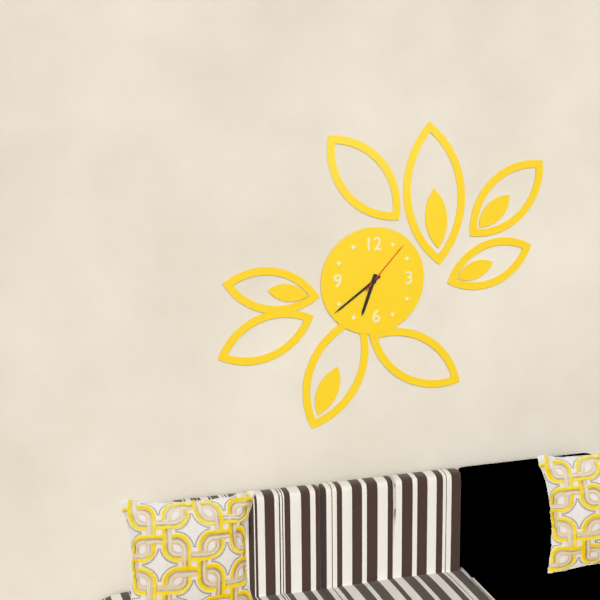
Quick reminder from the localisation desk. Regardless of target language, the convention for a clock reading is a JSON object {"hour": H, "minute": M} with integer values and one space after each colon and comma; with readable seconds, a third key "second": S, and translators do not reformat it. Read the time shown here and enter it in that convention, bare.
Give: {"hour": 6, "minute": 39, "second": 7}
